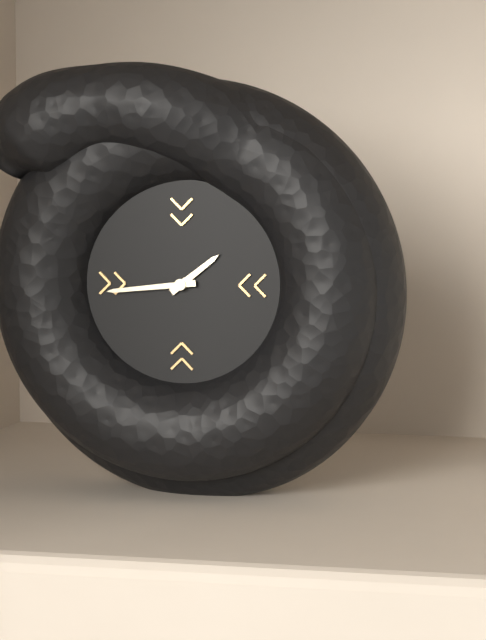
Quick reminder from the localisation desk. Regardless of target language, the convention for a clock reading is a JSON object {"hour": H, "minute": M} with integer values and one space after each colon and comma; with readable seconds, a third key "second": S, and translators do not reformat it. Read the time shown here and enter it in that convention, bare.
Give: {"hour": 1, "minute": 44}
